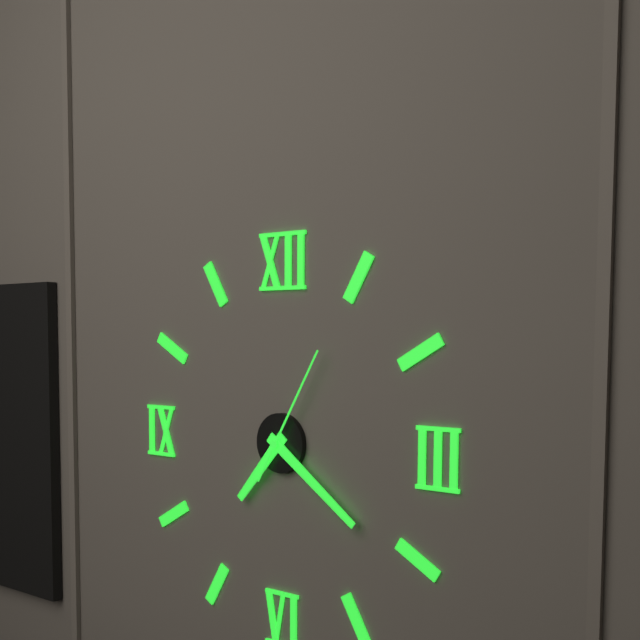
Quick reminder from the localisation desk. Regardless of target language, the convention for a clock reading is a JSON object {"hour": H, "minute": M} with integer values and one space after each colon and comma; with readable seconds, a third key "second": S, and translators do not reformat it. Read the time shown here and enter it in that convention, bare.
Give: {"hour": 7, "minute": 21, "second": 5}
